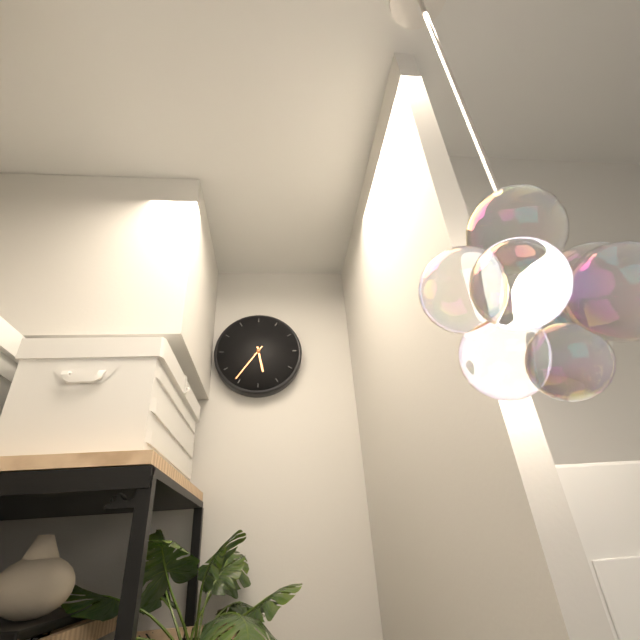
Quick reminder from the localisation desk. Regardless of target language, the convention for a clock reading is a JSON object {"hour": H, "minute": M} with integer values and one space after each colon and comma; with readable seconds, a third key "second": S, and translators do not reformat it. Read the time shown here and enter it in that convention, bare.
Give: {"hour": 5, "minute": 36}
